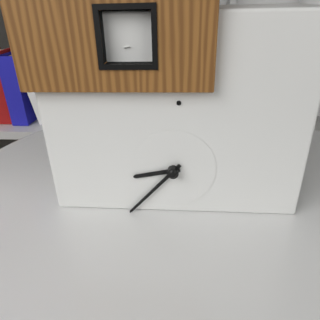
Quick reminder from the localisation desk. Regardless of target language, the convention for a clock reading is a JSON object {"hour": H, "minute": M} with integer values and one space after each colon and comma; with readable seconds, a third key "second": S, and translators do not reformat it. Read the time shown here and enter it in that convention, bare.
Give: {"hour": 8, "minute": 37}
